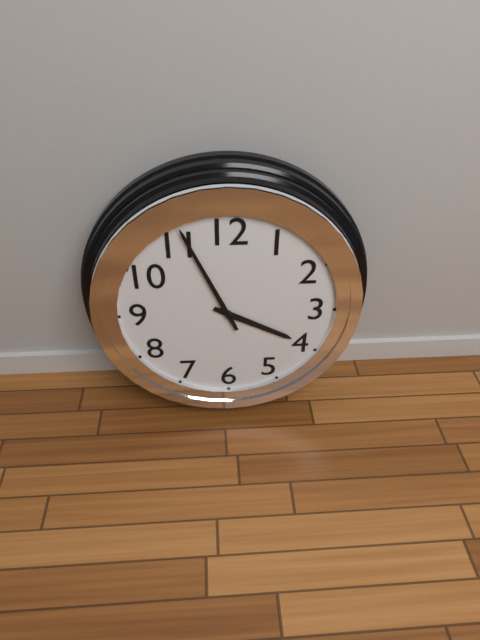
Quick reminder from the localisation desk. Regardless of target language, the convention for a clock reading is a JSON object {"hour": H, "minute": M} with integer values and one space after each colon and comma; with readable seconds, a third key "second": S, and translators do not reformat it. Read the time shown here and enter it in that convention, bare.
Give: {"hour": 3, "minute": 56}
